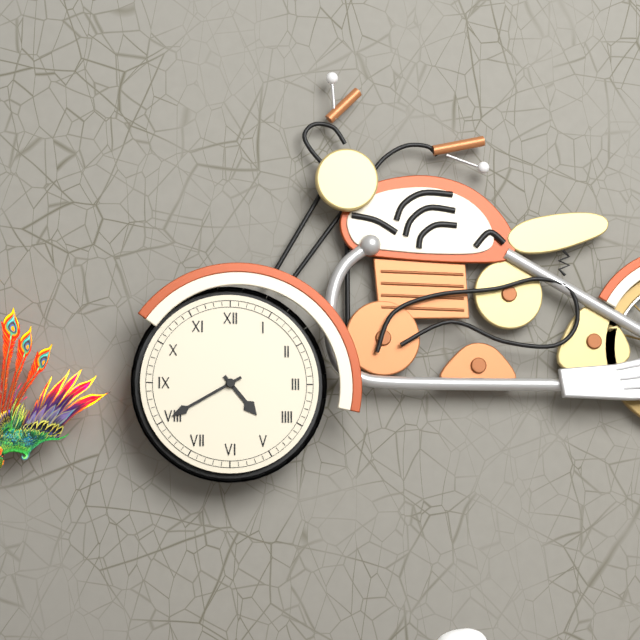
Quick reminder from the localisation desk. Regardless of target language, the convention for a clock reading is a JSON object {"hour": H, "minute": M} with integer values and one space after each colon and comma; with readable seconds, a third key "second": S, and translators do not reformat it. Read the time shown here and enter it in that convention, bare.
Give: {"hour": 4, "minute": 40}
